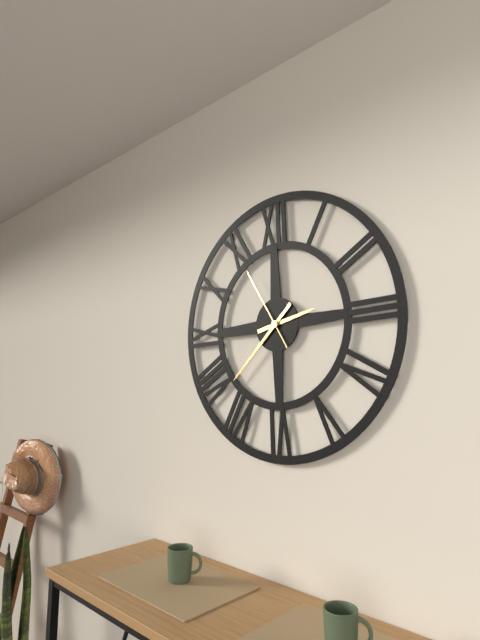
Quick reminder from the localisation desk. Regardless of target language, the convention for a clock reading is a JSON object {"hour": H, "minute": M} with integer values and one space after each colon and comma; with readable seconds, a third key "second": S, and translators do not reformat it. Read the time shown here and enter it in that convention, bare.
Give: {"hour": 2, "minute": 38, "second": 55}
